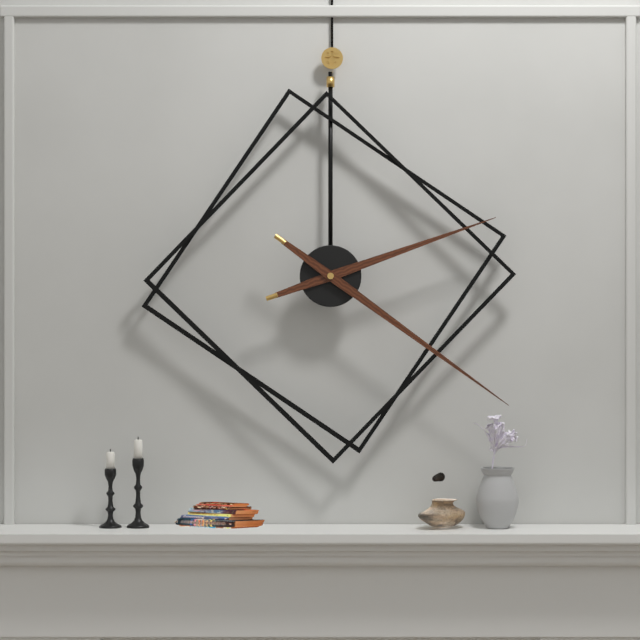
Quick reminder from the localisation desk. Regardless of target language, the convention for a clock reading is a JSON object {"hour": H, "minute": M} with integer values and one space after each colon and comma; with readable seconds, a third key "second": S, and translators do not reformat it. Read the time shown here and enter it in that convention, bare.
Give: {"hour": 2, "minute": 21}
